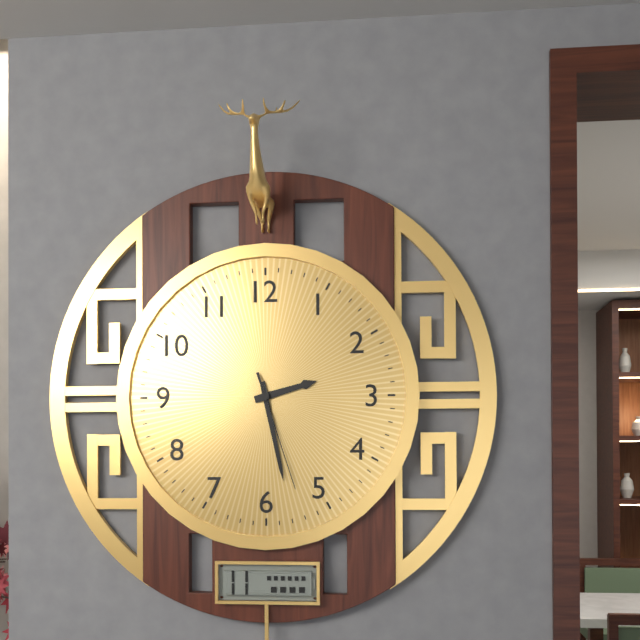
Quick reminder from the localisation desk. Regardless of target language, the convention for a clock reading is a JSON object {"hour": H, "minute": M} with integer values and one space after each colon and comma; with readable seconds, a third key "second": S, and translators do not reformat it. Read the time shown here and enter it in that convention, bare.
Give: {"hour": 2, "minute": 28, "second": 27}
